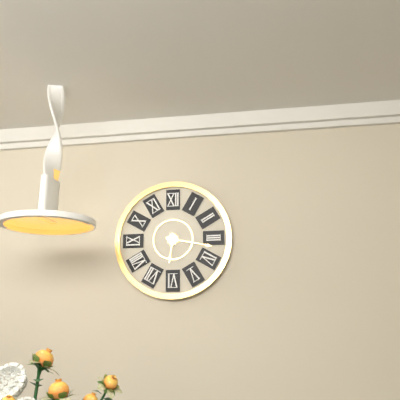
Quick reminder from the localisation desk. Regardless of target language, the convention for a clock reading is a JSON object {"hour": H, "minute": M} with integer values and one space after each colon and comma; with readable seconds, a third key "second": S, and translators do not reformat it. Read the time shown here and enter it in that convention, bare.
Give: {"hour": 6, "minute": 17}
